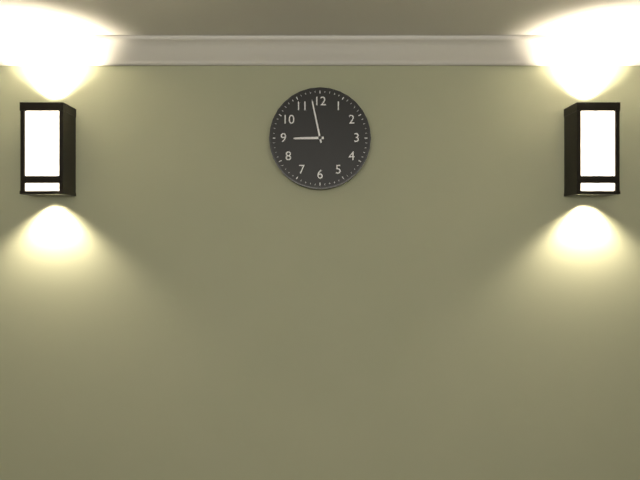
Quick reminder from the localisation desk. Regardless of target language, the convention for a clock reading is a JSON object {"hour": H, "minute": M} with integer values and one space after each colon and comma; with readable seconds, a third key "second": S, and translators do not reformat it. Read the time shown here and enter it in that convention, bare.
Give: {"hour": 8, "minute": 58}
